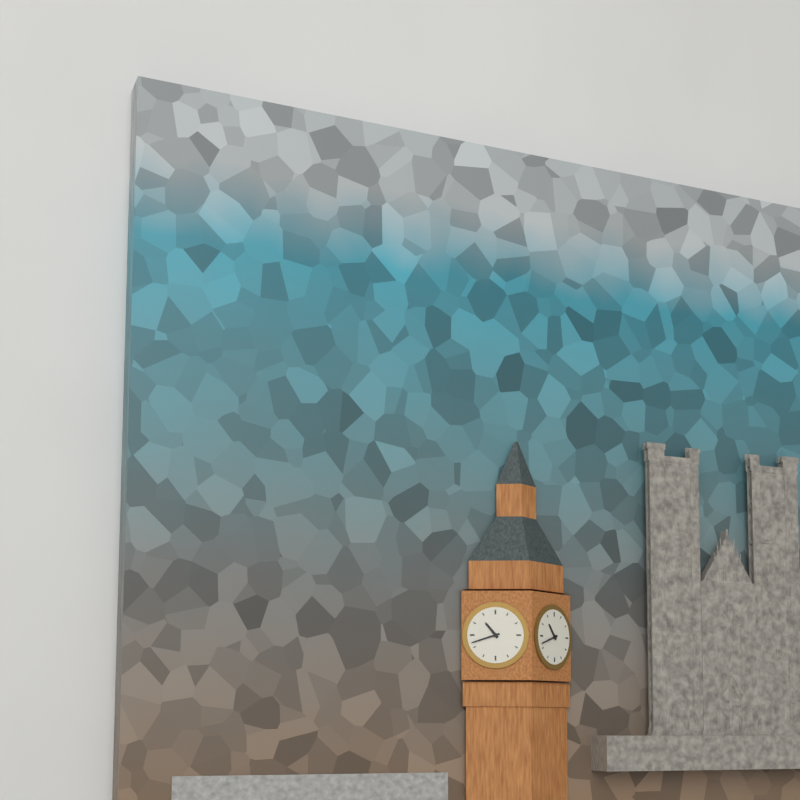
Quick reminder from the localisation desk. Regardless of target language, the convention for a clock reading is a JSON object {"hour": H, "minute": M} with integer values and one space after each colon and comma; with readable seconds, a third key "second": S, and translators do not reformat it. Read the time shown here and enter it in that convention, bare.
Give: {"hour": 10, "minute": 42}
